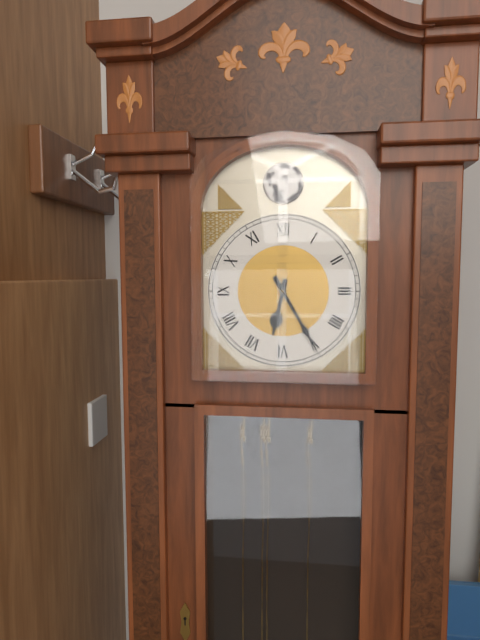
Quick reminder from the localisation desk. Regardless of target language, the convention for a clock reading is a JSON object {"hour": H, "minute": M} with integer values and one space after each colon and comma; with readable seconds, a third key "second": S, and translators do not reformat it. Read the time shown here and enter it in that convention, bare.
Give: {"hour": 6, "minute": 25}
